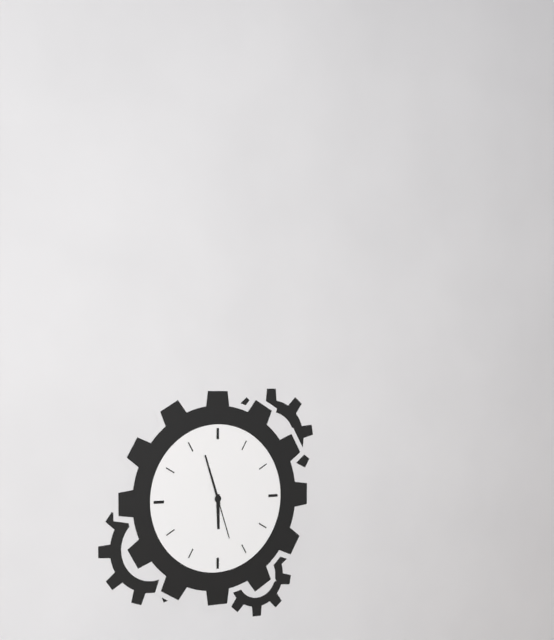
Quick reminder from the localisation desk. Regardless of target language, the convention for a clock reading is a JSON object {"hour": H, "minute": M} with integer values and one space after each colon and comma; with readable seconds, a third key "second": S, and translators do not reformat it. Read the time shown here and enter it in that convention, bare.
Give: {"hour": 5, "minute": 57, "second": 27}
